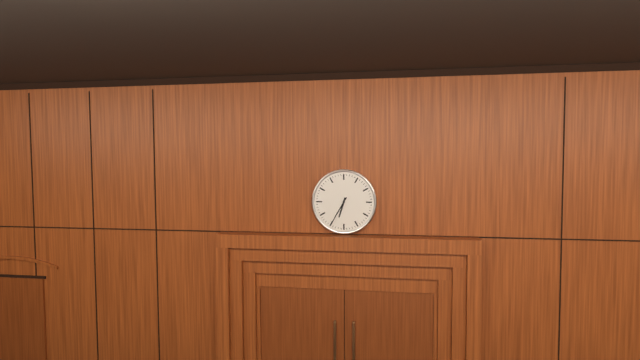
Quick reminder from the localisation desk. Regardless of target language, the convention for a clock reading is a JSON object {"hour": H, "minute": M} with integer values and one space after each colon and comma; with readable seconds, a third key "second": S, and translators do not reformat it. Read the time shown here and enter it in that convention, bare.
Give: {"hour": 6, "minute": 35}
